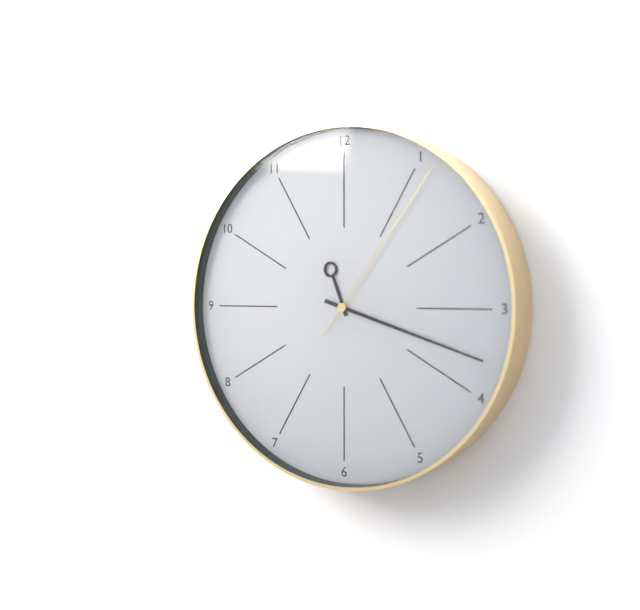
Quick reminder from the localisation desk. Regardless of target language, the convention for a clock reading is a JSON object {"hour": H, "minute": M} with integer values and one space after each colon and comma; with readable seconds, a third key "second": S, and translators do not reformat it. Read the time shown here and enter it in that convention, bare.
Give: {"hour": 11, "minute": 18, "second": 6}
